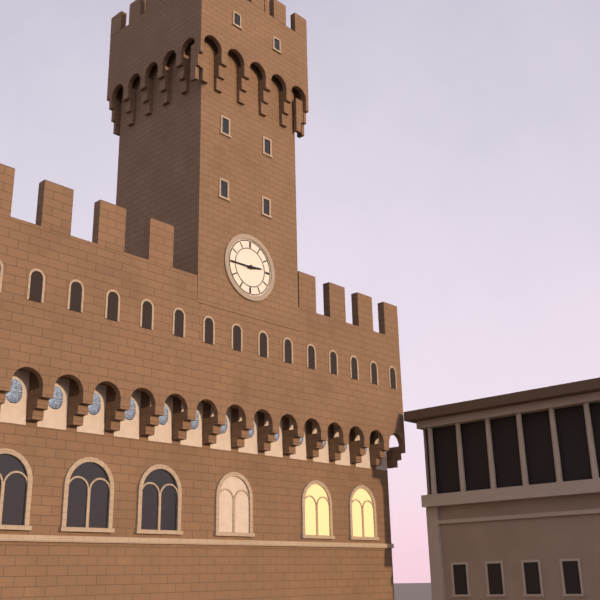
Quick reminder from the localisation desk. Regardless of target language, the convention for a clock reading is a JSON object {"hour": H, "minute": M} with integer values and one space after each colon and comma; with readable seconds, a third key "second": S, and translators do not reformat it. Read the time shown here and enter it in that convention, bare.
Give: {"hour": 2, "minute": 45}
